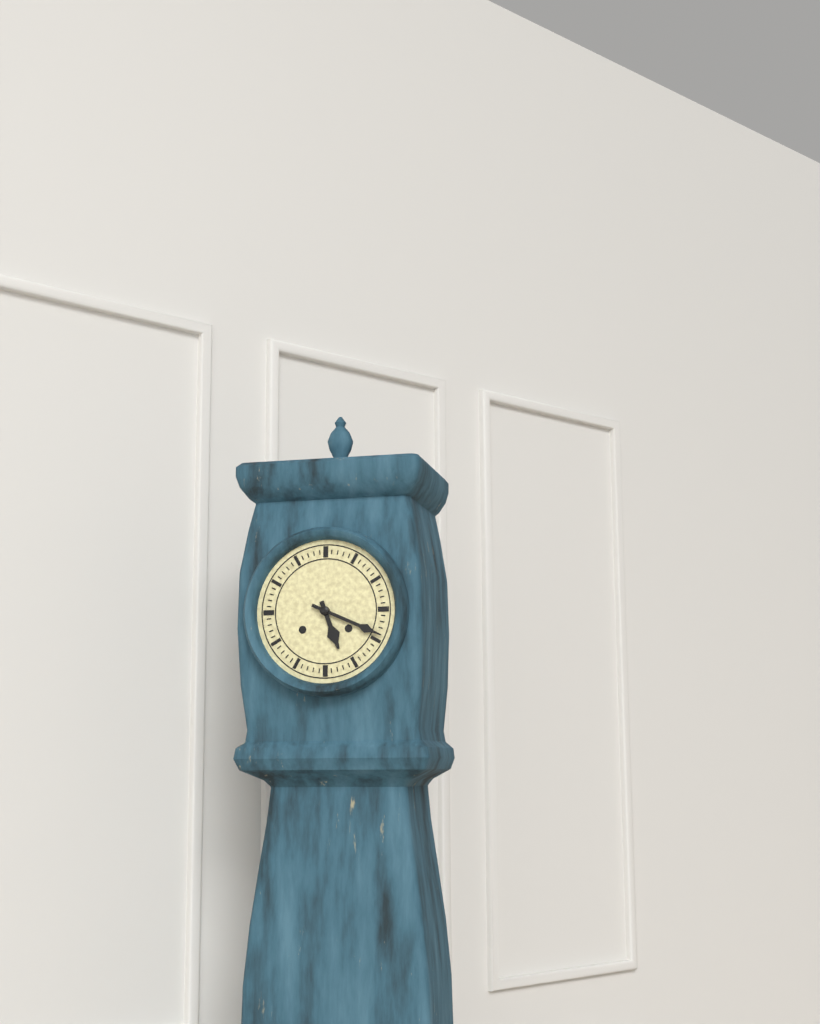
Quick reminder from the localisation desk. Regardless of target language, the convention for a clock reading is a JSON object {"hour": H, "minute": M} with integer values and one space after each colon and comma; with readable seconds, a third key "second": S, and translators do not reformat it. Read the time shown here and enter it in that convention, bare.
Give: {"hour": 5, "minute": 19}
